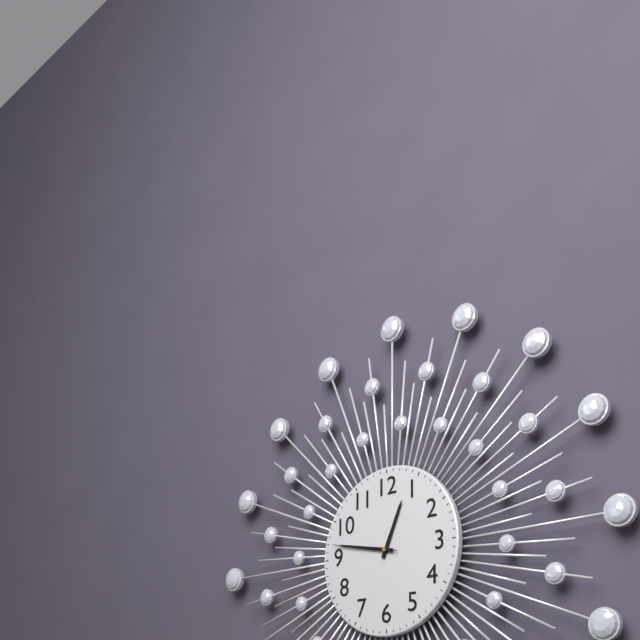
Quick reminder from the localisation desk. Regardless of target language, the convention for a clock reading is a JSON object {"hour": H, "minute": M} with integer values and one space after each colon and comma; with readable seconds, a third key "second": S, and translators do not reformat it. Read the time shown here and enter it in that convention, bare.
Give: {"hour": 12, "minute": 47, "second": 47}
